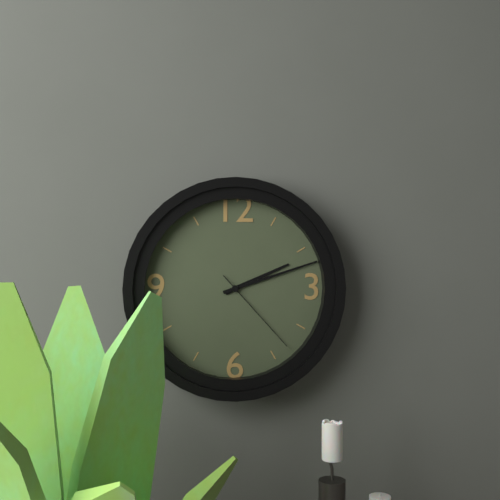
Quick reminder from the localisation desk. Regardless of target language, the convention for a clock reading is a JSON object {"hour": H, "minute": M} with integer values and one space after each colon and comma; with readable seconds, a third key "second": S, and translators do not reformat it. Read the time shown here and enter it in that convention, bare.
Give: {"hour": 2, "minute": 12, "second": 23}
